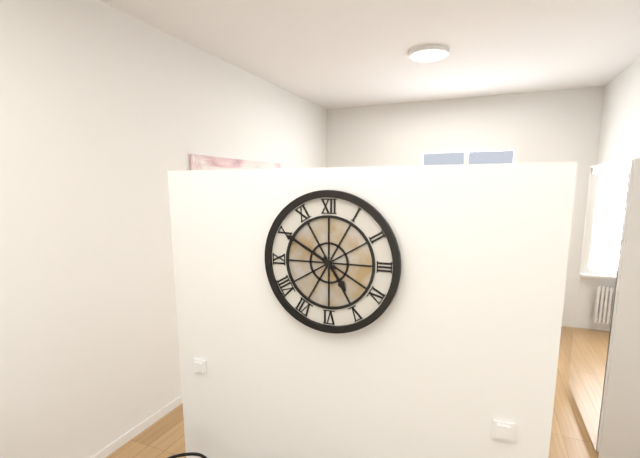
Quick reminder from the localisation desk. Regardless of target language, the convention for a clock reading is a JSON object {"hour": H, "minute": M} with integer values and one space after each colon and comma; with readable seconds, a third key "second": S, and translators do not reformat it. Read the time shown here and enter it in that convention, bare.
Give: {"hour": 4, "minute": 50}
